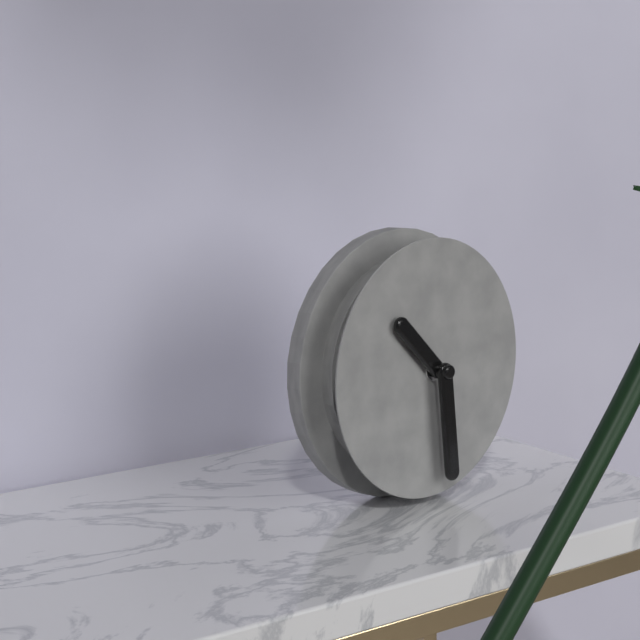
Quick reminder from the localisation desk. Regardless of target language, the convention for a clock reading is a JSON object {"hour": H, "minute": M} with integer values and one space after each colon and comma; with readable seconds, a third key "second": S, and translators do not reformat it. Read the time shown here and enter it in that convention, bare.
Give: {"hour": 10, "minute": 29}
